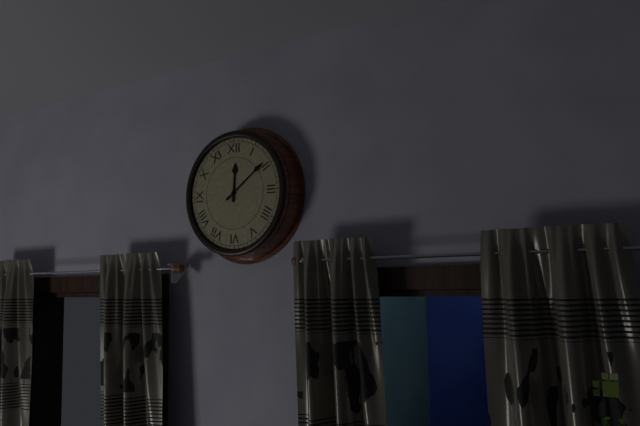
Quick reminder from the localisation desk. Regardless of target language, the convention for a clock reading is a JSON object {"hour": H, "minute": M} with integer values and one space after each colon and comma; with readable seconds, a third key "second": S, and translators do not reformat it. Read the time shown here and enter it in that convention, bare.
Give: {"hour": 12, "minute": 9}
